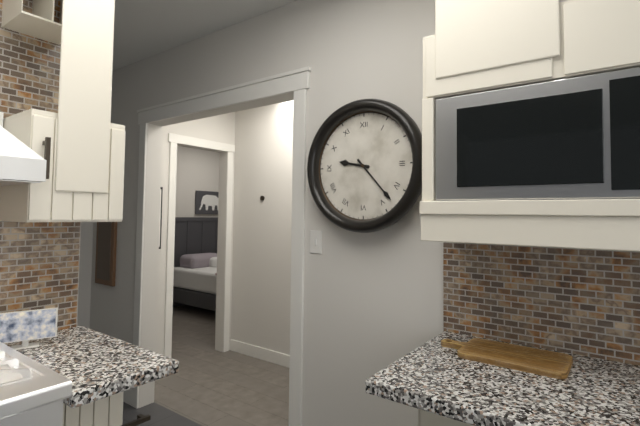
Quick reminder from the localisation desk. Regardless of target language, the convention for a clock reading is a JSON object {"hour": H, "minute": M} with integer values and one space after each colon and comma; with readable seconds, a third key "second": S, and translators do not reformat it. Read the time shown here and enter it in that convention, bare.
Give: {"hour": 9, "minute": 23}
